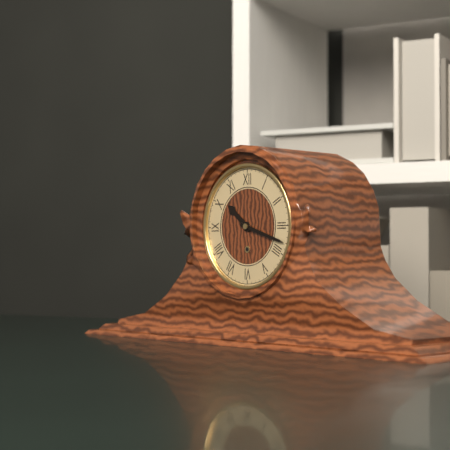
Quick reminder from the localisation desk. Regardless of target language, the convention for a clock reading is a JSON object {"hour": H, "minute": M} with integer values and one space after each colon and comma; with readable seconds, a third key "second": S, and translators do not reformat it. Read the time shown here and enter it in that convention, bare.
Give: {"hour": 10, "minute": 18}
